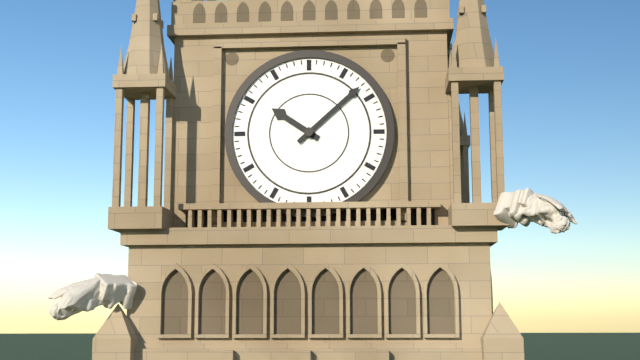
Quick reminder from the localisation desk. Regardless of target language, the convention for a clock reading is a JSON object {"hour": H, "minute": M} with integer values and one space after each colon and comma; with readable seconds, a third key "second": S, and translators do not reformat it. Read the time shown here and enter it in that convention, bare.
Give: {"hour": 10, "minute": 8}
